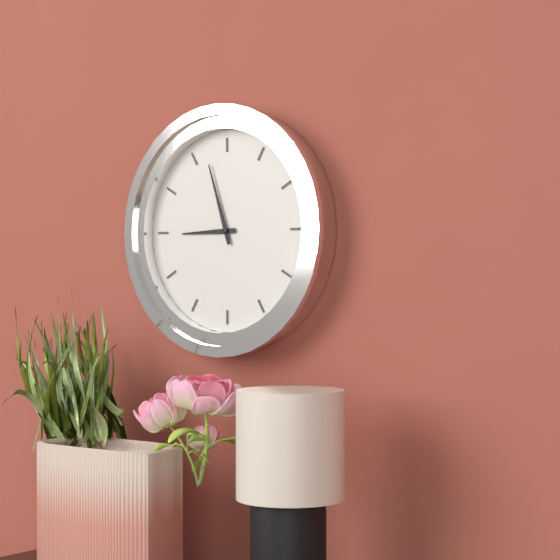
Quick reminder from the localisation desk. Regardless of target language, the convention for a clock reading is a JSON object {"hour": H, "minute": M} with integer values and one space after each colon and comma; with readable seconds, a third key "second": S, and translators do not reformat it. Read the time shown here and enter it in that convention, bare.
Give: {"hour": 8, "minute": 57}
